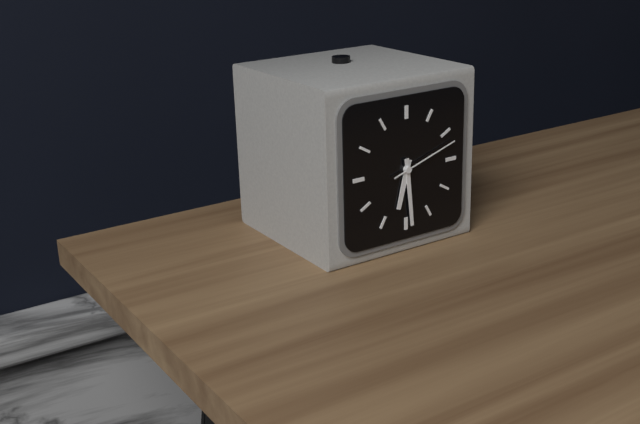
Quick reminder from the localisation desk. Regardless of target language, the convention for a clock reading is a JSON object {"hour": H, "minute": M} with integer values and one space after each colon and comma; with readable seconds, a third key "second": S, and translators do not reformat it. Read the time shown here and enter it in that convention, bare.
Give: {"hour": 6, "minute": 29, "second": 12}
